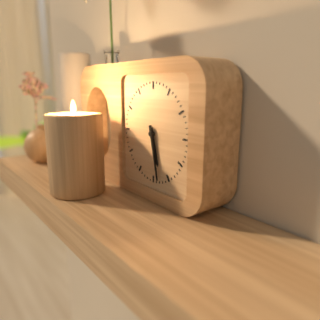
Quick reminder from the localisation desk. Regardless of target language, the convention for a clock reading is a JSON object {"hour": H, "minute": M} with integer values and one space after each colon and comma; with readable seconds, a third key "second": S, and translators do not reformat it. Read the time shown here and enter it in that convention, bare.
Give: {"hour": 5, "minute": 28}
